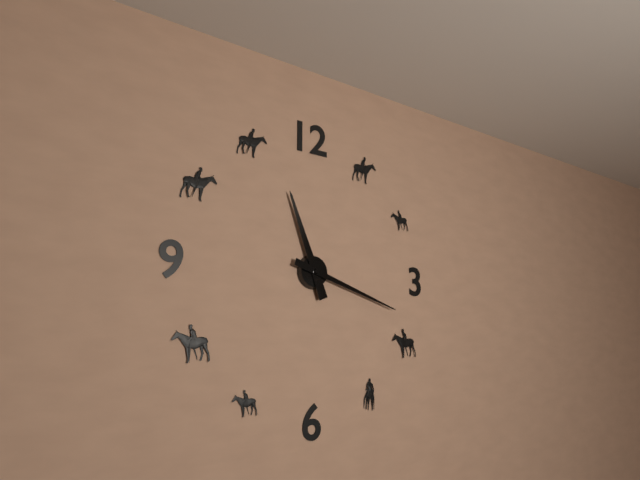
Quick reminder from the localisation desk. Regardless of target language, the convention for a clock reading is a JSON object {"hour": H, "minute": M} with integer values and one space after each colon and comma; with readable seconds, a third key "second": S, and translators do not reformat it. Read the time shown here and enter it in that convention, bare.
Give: {"hour": 11, "minute": 18}
